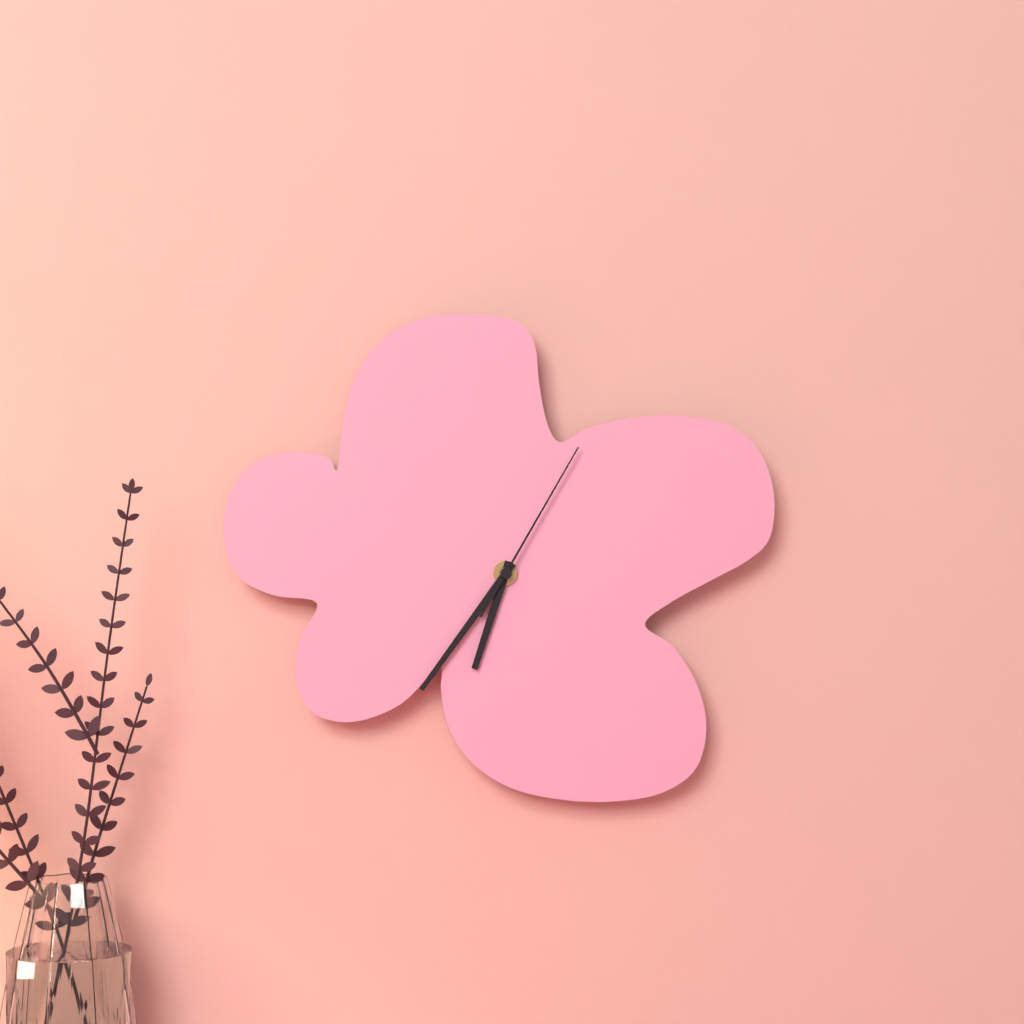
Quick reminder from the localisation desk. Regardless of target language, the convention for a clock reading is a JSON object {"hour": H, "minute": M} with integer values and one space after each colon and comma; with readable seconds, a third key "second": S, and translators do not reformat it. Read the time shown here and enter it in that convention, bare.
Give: {"hour": 6, "minute": 36, "second": 5}
